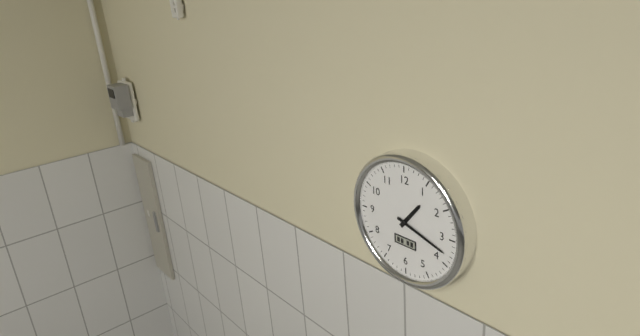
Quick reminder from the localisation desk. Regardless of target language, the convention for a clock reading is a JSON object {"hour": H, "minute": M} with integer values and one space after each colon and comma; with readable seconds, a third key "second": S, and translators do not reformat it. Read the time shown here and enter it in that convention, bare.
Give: {"hour": 1, "minute": 18}
